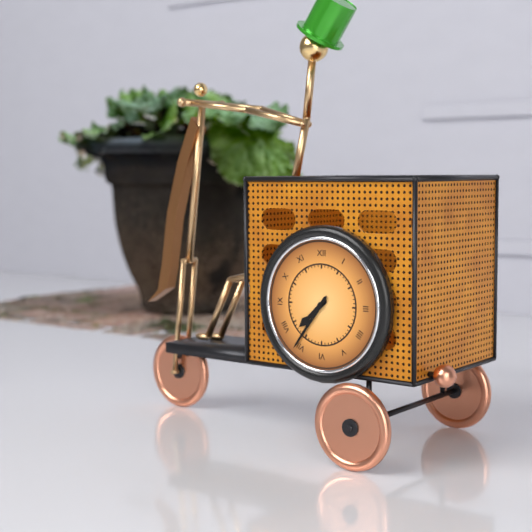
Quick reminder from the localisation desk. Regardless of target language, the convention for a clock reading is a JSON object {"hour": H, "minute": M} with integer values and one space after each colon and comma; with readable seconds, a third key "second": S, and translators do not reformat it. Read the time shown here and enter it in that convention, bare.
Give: {"hour": 7, "minute": 36}
